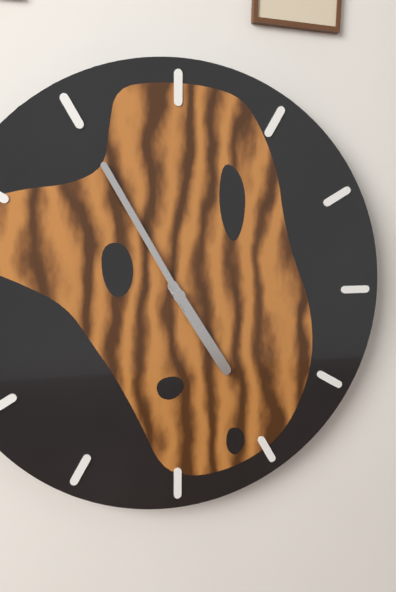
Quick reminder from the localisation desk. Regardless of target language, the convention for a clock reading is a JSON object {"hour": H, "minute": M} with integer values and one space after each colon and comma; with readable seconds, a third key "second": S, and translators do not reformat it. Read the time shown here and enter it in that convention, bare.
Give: {"hour": 4, "minute": 55}
